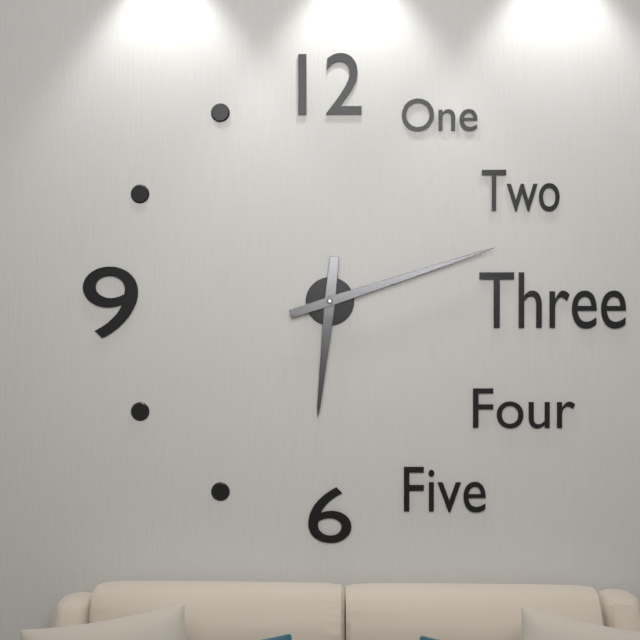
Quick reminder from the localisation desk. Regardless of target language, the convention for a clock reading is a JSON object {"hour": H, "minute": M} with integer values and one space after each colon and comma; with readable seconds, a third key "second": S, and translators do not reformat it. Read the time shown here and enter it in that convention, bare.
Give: {"hour": 6, "minute": 12}
